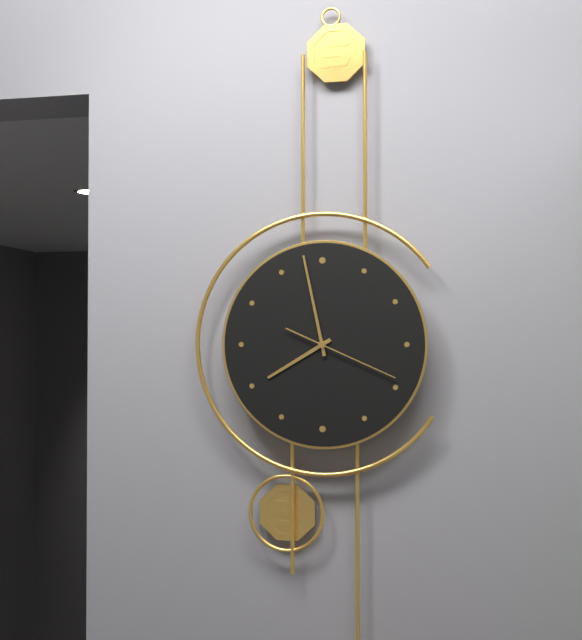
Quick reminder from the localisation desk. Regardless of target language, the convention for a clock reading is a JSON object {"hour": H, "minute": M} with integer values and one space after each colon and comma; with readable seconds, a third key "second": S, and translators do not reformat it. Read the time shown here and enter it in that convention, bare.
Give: {"hour": 7, "minute": 58, "second": 19}
